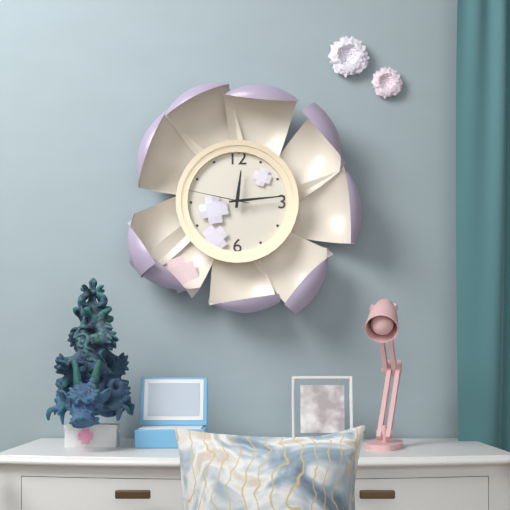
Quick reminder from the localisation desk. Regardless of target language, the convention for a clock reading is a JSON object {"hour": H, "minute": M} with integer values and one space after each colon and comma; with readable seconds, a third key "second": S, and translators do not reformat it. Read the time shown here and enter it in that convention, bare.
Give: {"hour": 12, "minute": 14, "second": 47}
